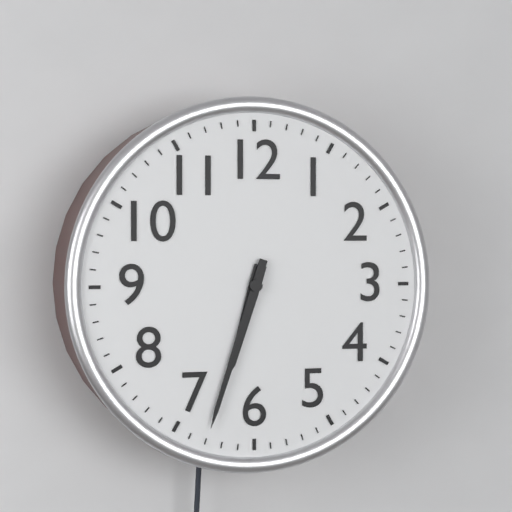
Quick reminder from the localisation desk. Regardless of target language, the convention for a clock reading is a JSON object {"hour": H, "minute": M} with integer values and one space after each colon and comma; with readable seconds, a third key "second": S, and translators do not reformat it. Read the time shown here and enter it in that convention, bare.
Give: {"hour": 6, "minute": 33}
